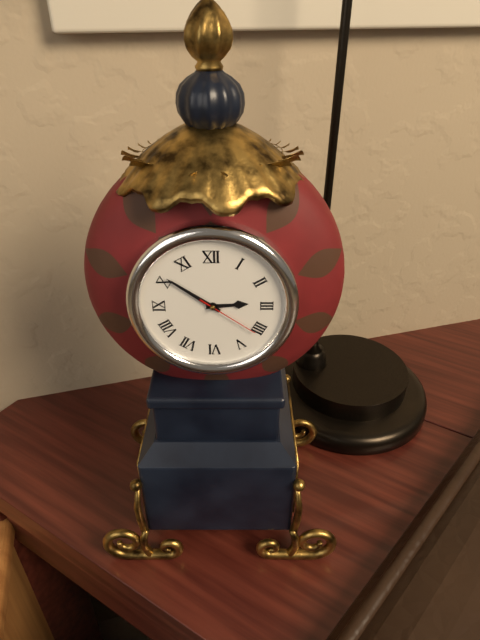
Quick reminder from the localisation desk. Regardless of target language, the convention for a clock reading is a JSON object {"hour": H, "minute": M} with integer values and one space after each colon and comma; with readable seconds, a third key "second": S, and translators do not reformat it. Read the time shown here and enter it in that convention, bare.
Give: {"hour": 2, "minute": 51, "second": 21}
